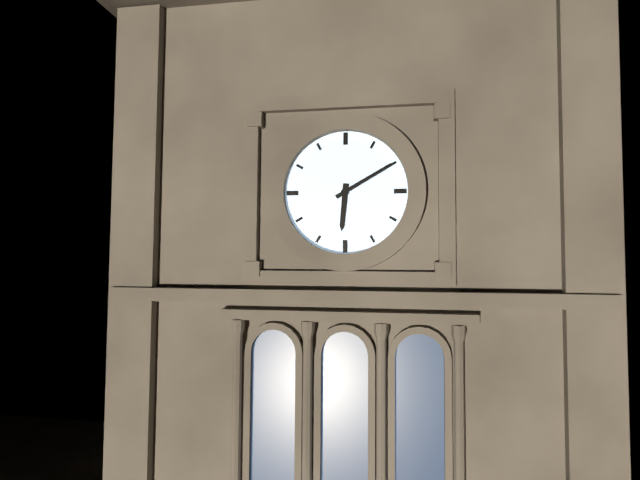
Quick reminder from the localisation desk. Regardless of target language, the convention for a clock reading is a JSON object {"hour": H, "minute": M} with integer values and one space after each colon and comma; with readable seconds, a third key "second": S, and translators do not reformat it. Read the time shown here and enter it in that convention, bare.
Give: {"hour": 6, "minute": 10}
